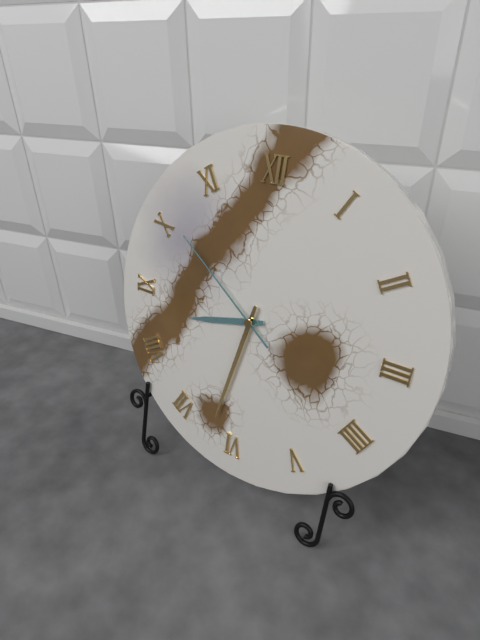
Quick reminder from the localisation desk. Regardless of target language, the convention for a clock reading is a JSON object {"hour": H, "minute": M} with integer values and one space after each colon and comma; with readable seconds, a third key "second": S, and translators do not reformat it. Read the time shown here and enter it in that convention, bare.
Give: {"hour": 8, "minute": 32, "second": 51}
